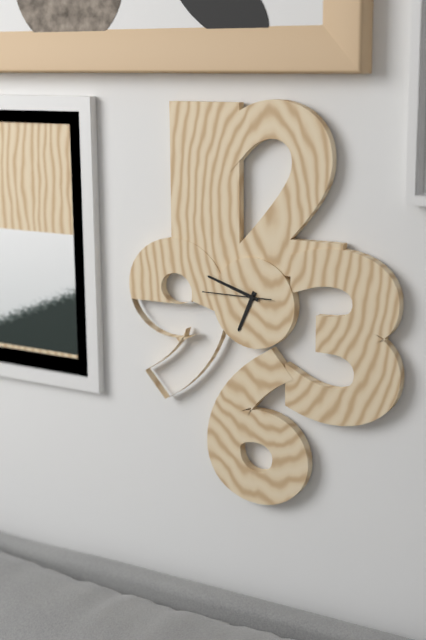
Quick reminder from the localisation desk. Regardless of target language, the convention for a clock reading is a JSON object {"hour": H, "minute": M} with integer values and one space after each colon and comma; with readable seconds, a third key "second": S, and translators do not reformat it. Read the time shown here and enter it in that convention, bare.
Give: {"hour": 6, "minute": 48, "second": 45}
